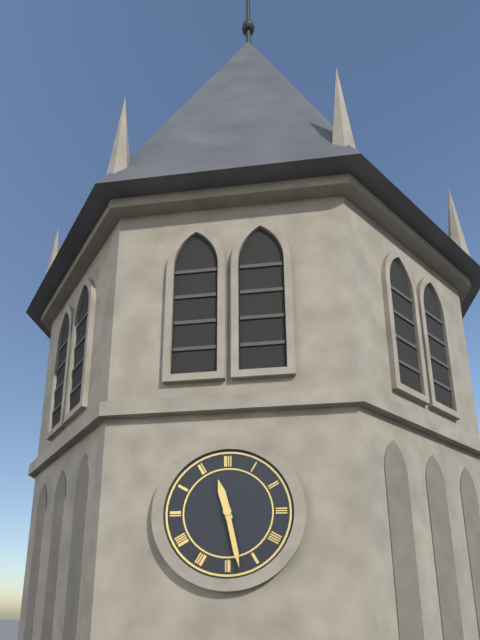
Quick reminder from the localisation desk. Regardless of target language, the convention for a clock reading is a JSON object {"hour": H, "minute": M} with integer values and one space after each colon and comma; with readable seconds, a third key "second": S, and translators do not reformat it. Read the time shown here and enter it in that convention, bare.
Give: {"hour": 11, "minute": 28}
